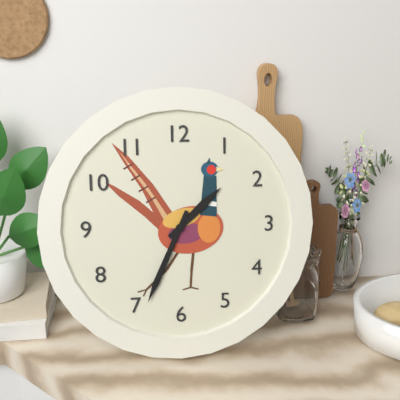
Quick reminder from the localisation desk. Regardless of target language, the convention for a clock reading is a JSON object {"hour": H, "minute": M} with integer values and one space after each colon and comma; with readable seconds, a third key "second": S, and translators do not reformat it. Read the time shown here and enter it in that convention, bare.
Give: {"hour": 1, "minute": 34}
